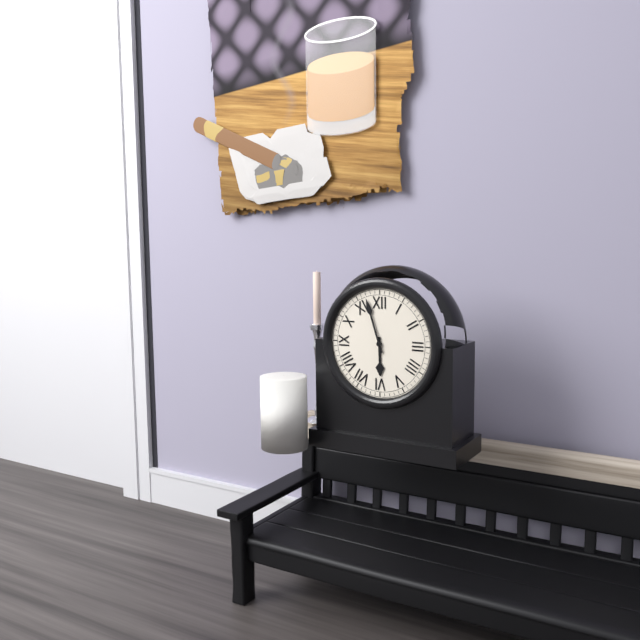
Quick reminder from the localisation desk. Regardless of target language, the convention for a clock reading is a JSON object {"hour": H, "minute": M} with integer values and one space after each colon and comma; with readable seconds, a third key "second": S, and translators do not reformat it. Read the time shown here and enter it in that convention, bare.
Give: {"hour": 5, "minute": 57}
